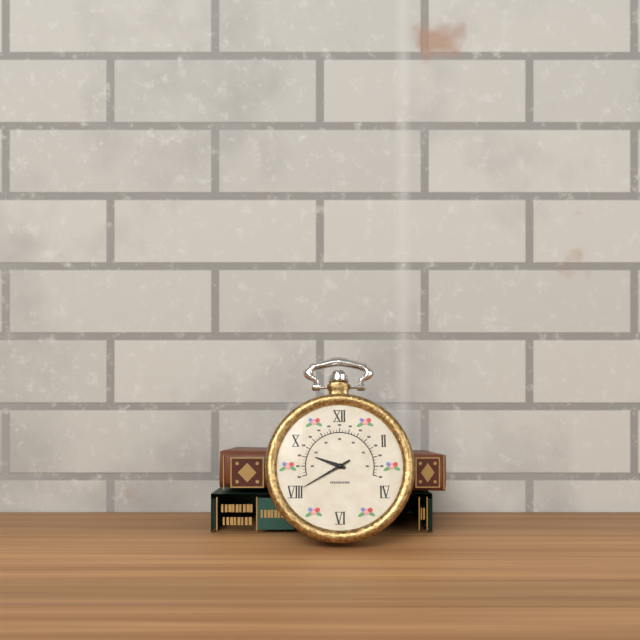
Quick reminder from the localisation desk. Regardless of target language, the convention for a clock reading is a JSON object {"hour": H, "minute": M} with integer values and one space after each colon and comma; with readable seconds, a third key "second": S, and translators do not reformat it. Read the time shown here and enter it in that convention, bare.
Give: {"hour": 9, "minute": 40}
